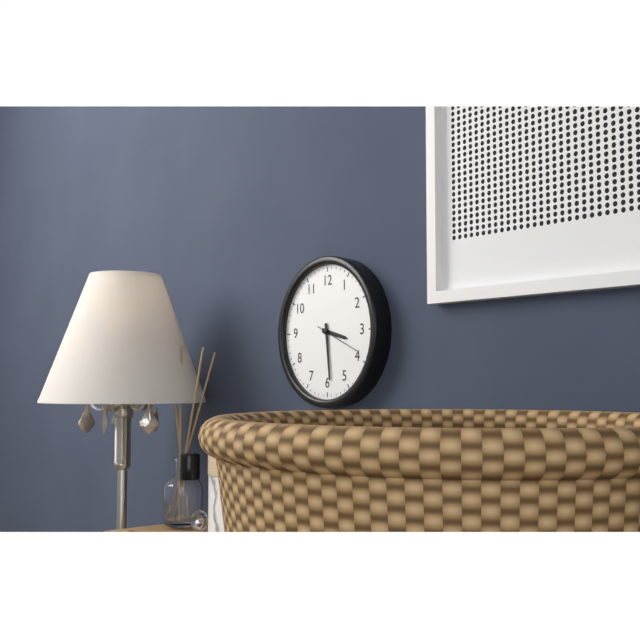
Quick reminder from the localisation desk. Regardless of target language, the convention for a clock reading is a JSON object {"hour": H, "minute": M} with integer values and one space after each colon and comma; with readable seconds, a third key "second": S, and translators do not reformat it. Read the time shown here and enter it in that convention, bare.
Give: {"hour": 3, "minute": 29}
